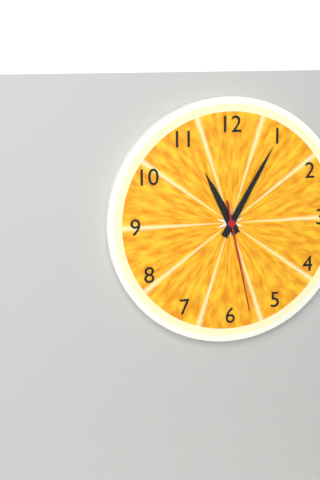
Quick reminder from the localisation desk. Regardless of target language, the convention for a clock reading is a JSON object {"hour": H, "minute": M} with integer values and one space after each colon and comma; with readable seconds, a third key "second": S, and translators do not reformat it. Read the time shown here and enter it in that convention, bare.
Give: {"hour": 11, "minute": 5, "second": 28}
